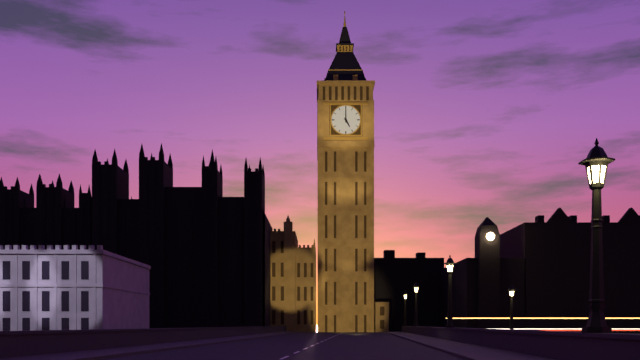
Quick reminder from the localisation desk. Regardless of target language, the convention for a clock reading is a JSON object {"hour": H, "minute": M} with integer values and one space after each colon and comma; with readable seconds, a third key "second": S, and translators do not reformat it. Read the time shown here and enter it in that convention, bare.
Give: {"hour": 5, "minute": 0}
